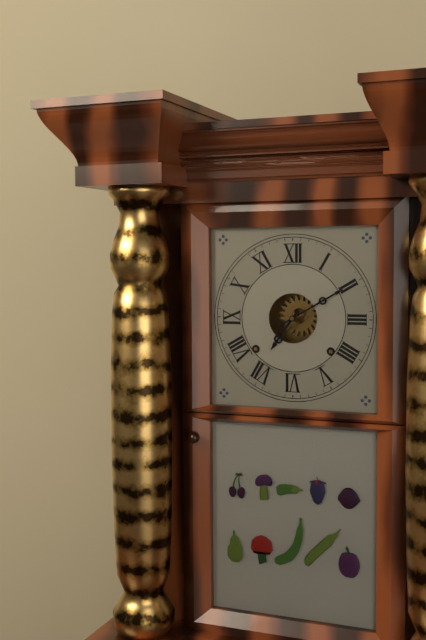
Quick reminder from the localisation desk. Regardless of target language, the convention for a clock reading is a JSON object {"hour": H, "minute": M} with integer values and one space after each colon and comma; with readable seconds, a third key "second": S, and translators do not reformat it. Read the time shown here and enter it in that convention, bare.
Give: {"hour": 7, "minute": 10}
